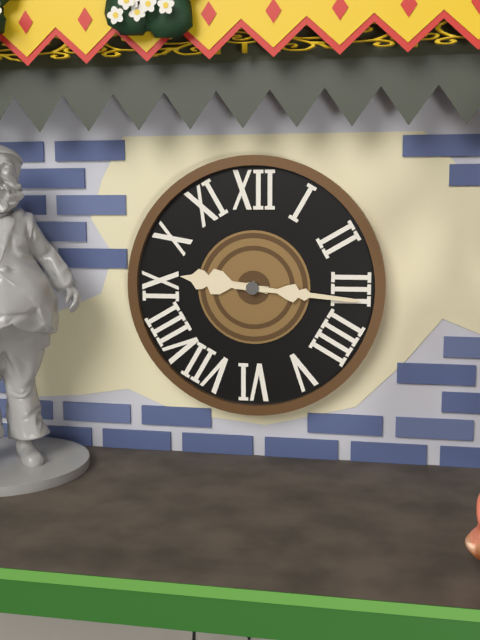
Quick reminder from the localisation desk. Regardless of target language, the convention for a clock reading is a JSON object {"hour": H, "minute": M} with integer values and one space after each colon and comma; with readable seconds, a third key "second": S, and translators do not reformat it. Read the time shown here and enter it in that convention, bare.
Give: {"hour": 9, "minute": 16}
